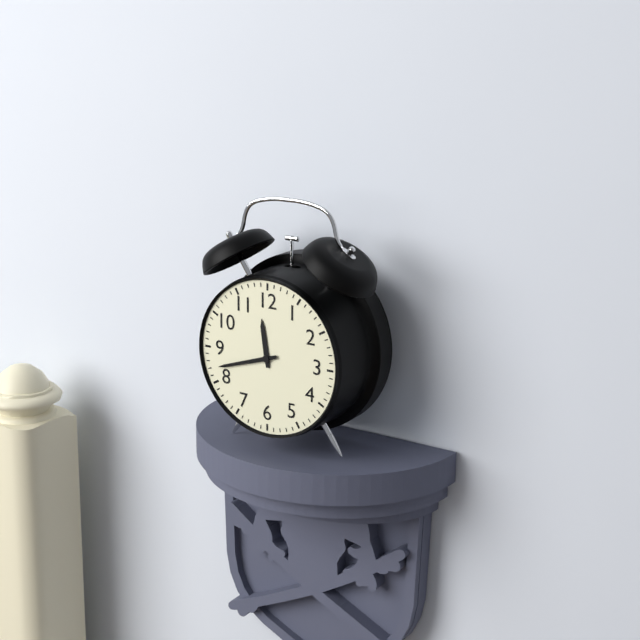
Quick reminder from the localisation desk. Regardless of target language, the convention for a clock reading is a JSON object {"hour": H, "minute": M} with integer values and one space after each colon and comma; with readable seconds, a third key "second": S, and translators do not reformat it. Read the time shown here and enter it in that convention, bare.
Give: {"hour": 11, "minute": 42}
